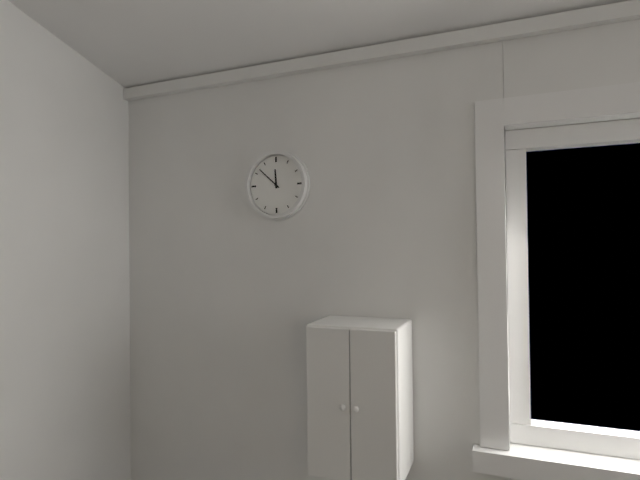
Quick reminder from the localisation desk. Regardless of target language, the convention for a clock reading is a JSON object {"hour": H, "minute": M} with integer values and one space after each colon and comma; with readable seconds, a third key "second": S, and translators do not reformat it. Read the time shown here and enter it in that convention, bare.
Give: {"hour": 11, "minute": 52}
